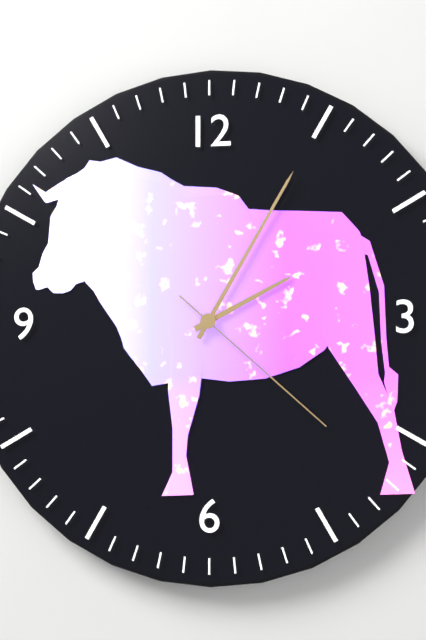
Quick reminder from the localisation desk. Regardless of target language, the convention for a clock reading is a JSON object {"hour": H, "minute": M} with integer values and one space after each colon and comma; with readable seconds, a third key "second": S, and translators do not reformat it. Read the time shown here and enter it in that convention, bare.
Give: {"hour": 2, "minute": 5, "second": 22}
